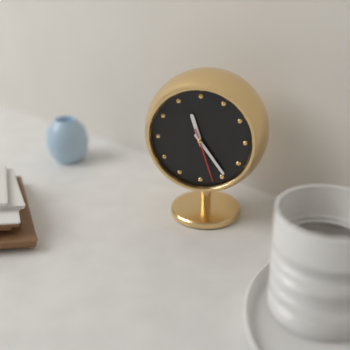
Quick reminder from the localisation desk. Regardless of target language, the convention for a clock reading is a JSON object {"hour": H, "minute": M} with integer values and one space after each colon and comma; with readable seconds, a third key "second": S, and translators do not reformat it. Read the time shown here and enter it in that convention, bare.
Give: {"hour": 11, "minute": 24, "second": 27}
